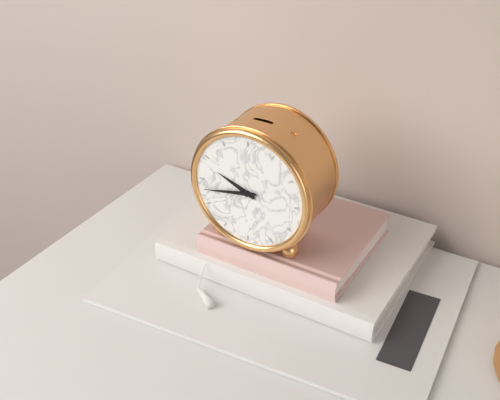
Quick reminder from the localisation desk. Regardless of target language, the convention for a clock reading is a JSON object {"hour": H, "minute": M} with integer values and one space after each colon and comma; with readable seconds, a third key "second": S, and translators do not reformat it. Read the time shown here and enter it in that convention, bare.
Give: {"hour": 9, "minute": 43}
